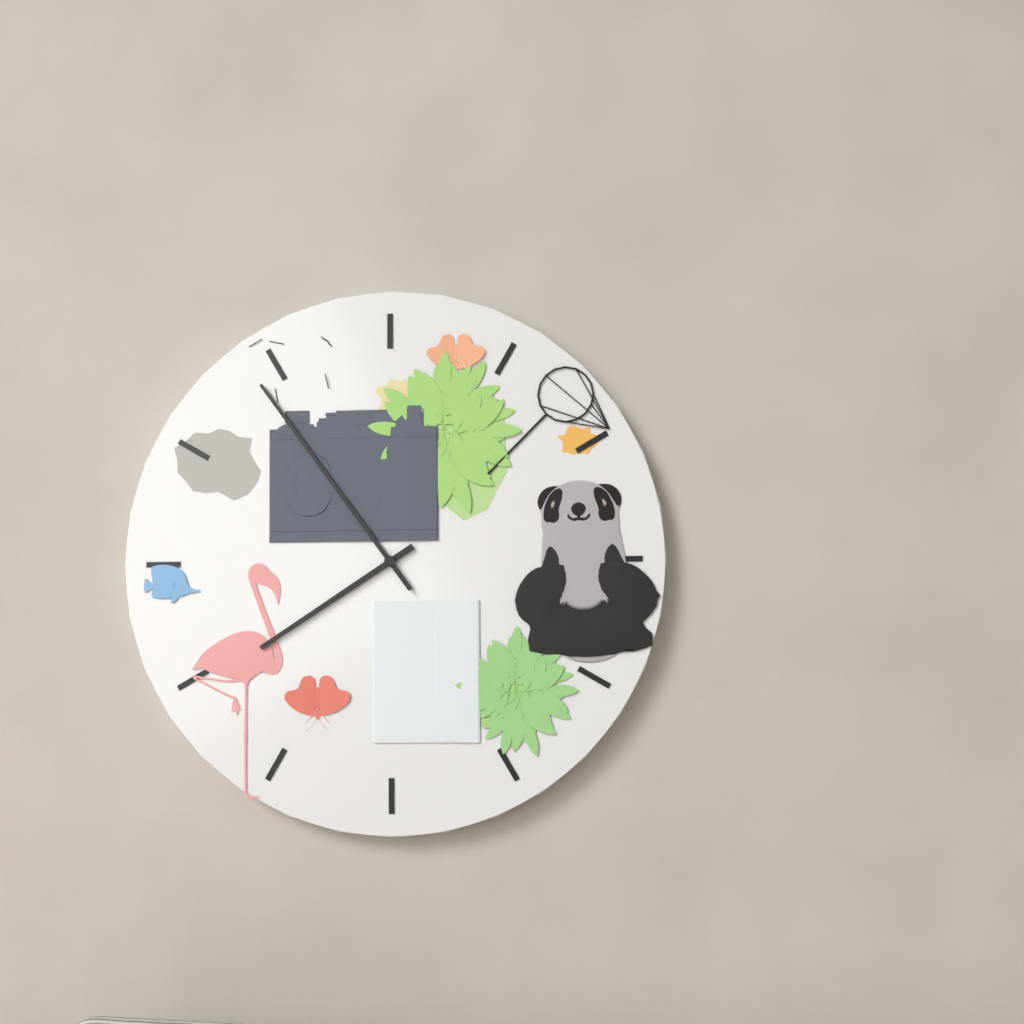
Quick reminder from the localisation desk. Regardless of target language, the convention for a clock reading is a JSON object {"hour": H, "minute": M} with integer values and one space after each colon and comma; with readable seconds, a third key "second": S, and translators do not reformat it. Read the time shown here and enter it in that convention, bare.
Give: {"hour": 7, "minute": 54}
